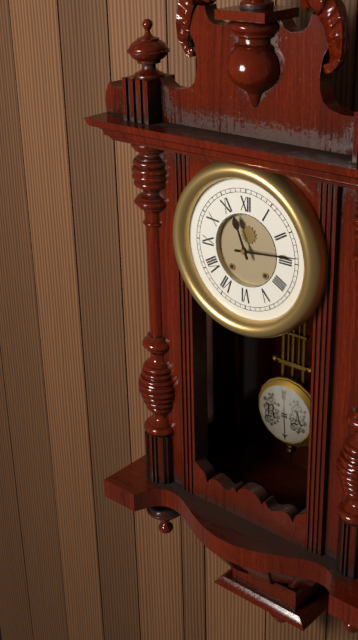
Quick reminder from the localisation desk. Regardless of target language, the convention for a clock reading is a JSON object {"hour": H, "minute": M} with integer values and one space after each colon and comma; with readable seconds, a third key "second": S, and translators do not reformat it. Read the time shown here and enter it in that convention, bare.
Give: {"hour": 11, "minute": 14}
